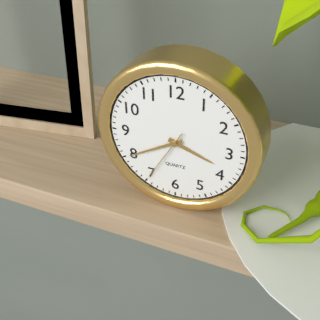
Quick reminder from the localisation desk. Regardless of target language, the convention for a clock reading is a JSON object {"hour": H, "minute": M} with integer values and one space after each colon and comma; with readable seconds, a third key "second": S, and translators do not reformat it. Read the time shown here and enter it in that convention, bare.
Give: {"hour": 3, "minute": 40, "second": 35}
